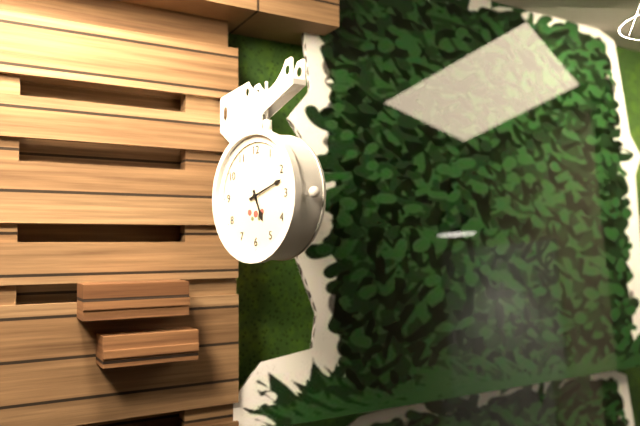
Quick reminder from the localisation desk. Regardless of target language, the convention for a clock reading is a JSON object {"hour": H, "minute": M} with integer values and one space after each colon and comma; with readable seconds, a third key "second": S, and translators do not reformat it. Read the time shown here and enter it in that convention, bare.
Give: {"hour": 5, "minute": 12}
